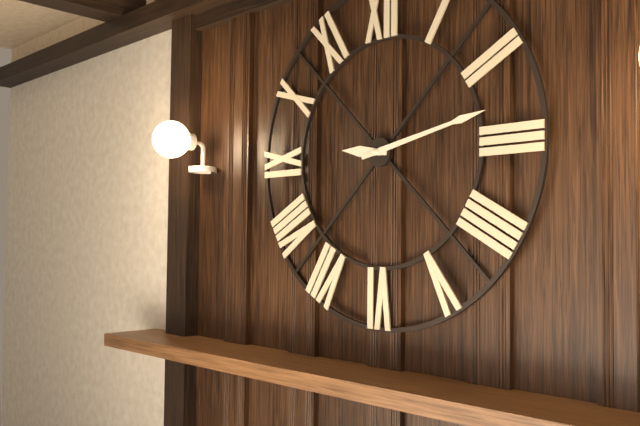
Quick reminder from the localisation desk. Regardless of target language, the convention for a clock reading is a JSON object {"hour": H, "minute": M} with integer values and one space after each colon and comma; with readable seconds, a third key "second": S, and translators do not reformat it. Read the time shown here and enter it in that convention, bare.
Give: {"hour": 9, "minute": 13}
